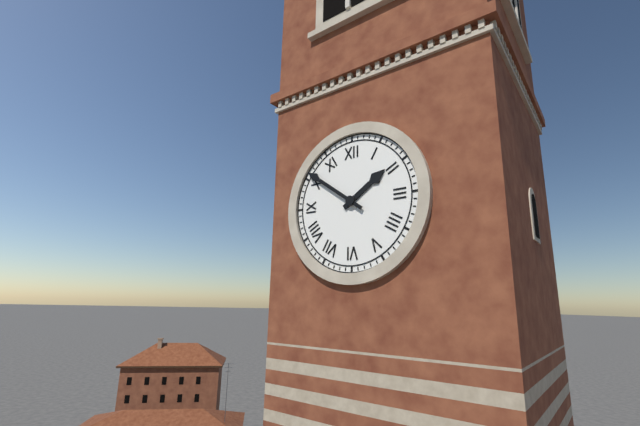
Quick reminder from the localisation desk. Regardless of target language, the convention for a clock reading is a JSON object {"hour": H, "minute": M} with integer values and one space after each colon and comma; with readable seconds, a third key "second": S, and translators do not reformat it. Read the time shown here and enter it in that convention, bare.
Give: {"hour": 1, "minute": 51}
